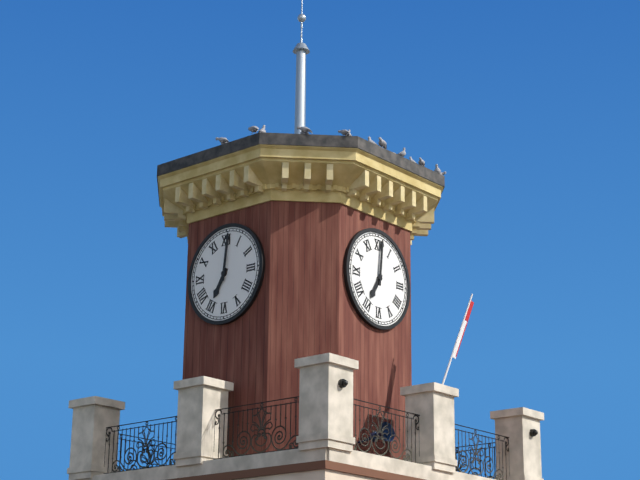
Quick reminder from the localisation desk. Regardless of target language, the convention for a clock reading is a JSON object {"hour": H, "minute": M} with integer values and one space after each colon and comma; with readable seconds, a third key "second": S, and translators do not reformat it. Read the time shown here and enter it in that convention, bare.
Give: {"hour": 7, "minute": 1}
